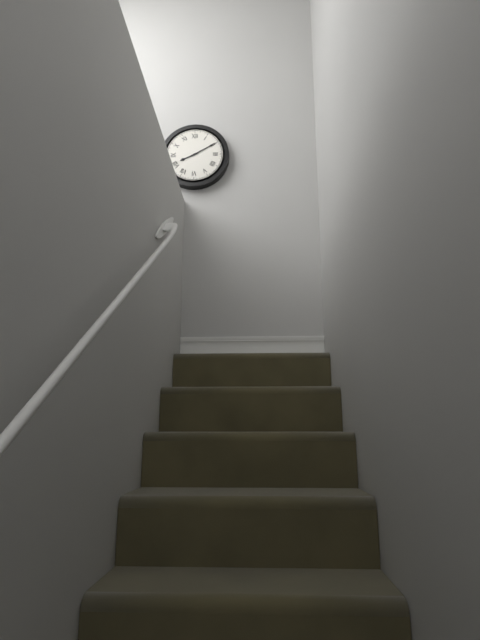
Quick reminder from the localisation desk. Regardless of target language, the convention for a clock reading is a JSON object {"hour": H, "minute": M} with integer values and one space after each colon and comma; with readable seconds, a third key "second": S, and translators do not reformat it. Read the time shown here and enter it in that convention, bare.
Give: {"hour": 8, "minute": 10}
